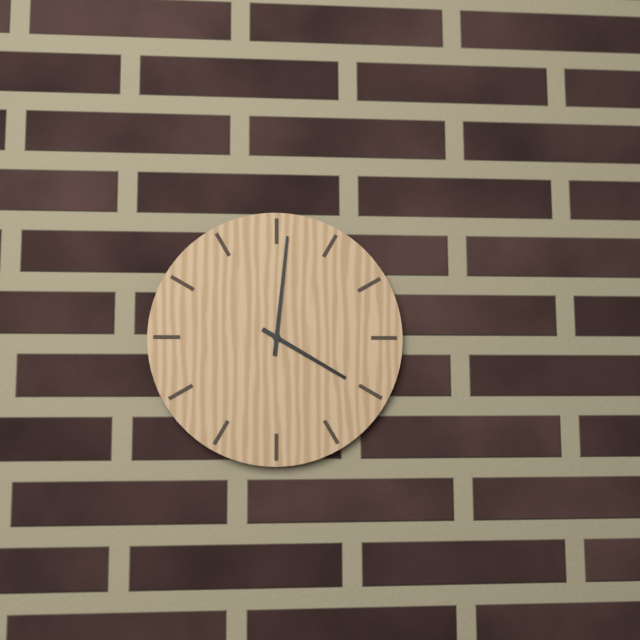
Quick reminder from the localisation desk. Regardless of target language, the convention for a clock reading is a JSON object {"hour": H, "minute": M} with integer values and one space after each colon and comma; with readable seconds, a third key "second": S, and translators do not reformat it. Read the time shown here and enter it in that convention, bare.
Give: {"hour": 4, "minute": 1}
